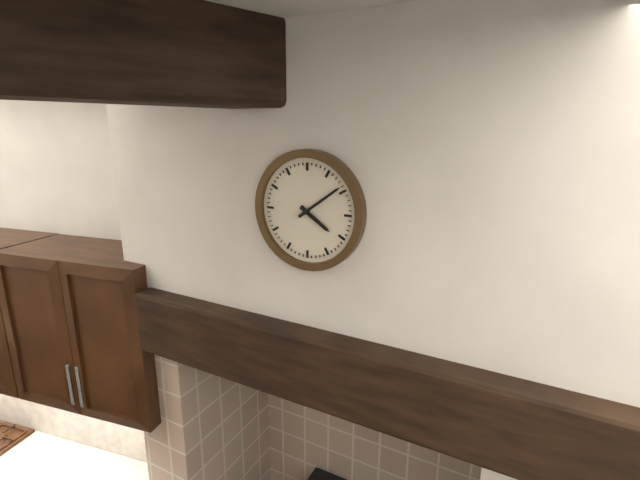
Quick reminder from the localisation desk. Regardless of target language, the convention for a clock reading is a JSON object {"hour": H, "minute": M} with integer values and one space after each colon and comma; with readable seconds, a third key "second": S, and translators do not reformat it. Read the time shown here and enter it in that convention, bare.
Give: {"hour": 4, "minute": 9}
